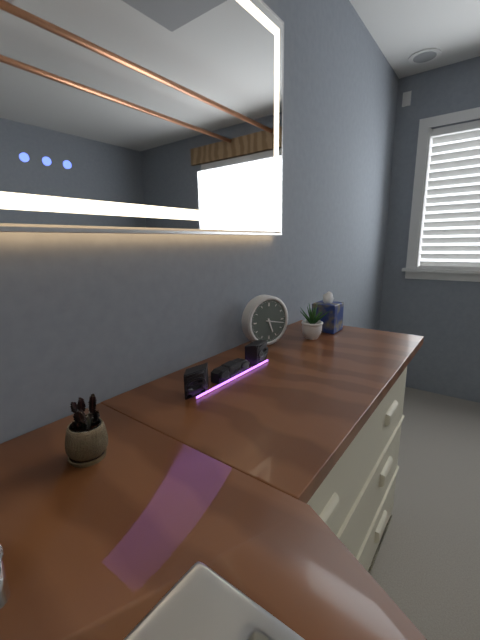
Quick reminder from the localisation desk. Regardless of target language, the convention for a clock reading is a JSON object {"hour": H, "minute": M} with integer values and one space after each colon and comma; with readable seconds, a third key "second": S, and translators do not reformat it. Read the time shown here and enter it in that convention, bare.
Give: {"hour": 5, "minute": 17}
